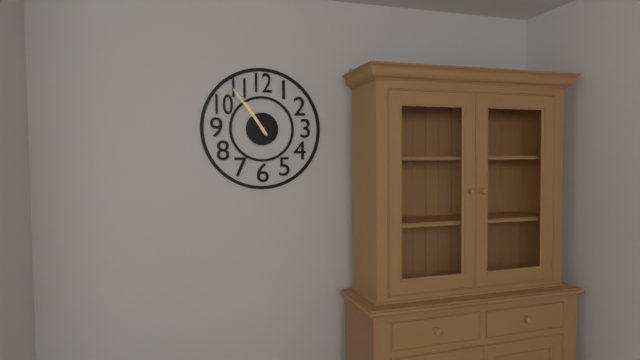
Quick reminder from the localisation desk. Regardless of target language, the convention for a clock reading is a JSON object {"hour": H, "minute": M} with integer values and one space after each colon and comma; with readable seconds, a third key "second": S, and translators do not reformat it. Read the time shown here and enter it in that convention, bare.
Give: {"hour": 10, "minute": 54}
